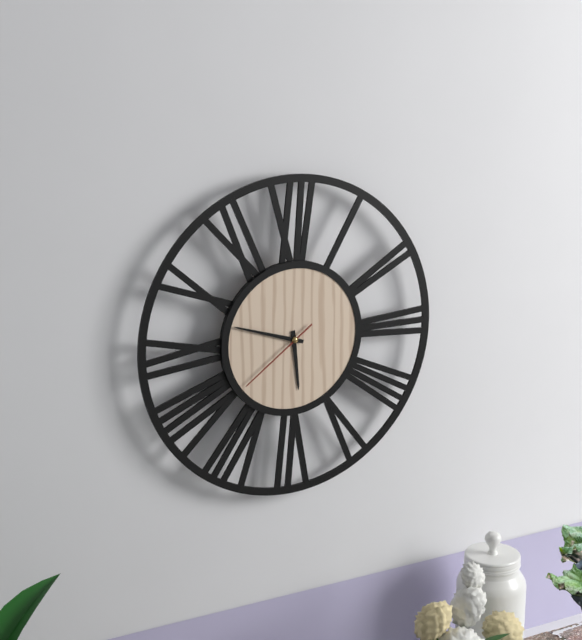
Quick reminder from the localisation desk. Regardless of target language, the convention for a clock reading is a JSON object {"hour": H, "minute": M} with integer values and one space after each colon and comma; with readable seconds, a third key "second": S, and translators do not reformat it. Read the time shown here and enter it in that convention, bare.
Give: {"hour": 5, "minute": 48, "second": 39}
